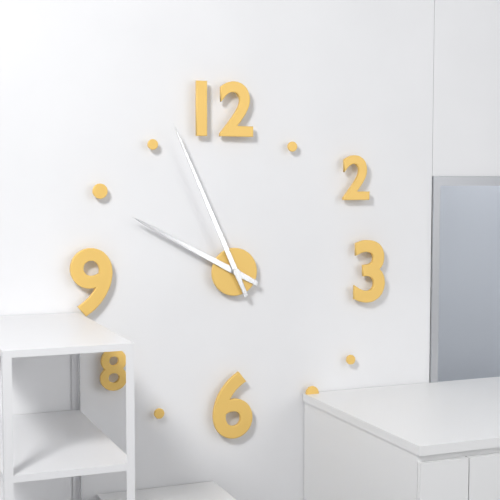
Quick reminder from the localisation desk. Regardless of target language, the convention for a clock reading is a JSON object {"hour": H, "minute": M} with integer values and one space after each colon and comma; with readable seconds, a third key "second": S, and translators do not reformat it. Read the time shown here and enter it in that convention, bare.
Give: {"hour": 9, "minute": 56}
